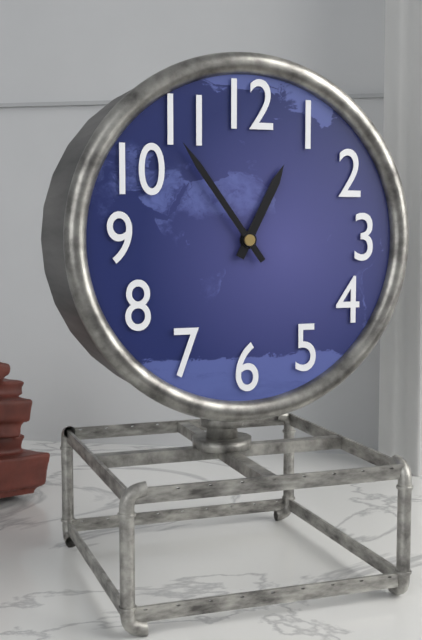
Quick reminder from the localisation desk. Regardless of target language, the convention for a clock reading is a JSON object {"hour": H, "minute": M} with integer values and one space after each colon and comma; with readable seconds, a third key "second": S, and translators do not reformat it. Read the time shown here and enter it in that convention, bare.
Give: {"hour": 12, "minute": 54}
